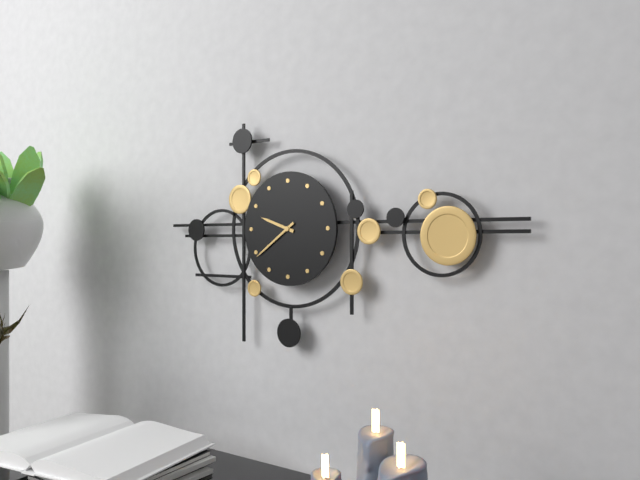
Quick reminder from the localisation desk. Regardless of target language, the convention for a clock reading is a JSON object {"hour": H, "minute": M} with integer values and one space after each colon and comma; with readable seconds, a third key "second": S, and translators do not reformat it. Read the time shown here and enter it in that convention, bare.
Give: {"hour": 9, "minute": 39}
